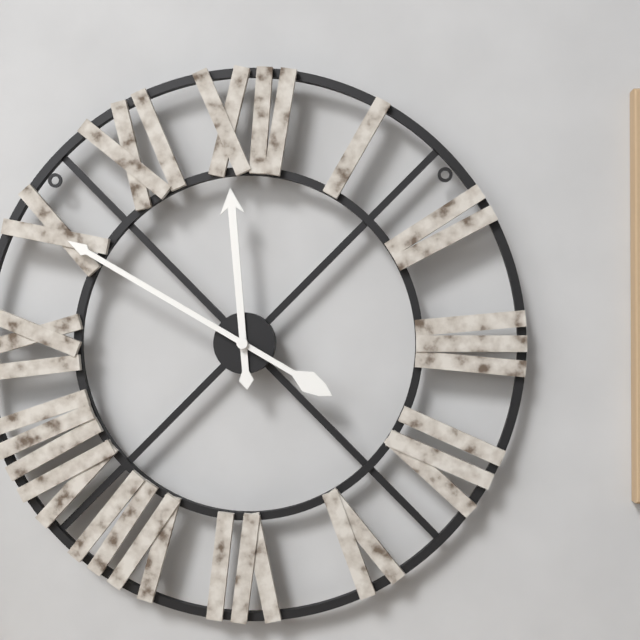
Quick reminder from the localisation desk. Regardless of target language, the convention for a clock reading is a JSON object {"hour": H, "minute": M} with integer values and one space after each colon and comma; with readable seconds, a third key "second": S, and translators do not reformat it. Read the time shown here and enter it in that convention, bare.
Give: {"hour": 11, "minute": 50}
